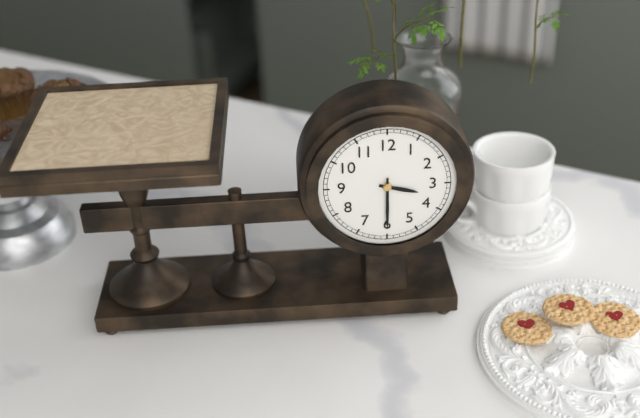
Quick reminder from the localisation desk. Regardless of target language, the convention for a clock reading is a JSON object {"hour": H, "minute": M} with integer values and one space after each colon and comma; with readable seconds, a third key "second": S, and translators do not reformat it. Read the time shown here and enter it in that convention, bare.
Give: {"hour": 3, "minute": 30}
